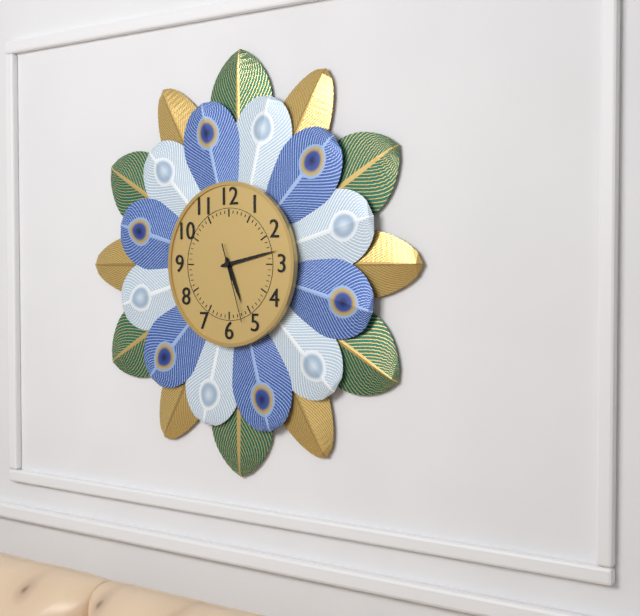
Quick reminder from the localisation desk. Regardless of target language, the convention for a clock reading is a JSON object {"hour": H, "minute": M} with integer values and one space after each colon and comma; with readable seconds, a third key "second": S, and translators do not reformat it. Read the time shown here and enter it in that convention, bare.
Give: {"hour": 5, "minute": 13, "second": 27}
